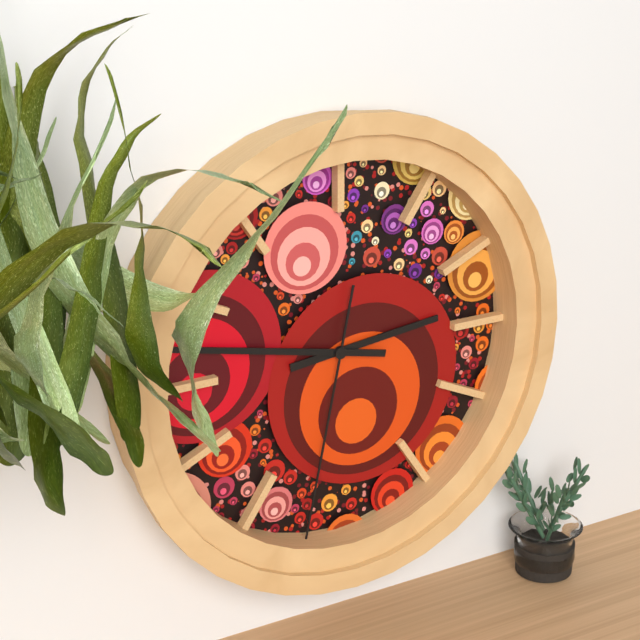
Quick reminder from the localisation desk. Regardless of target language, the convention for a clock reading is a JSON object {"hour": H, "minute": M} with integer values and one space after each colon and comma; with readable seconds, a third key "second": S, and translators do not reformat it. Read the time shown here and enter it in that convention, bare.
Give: {"hour": 2, "minute": 47, "second": 32}
